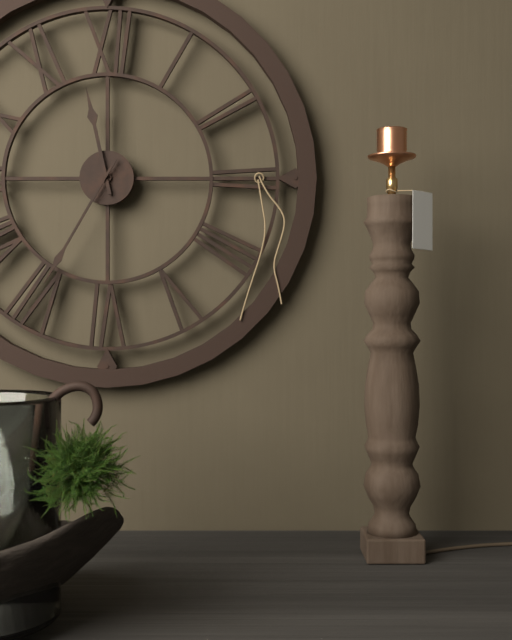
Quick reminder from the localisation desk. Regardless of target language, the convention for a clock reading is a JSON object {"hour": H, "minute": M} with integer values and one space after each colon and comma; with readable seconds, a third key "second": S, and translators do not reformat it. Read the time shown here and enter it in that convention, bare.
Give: {"hour": 11, "minute": 35}
